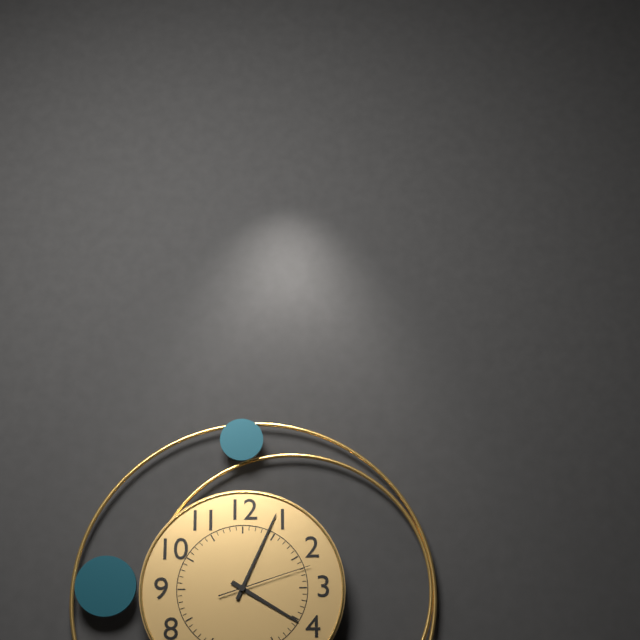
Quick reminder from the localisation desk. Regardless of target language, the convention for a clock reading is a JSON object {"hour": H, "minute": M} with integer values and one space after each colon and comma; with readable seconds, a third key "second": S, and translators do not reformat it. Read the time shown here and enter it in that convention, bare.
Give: {"hour": 4, "minute": 4, "second": 12}
